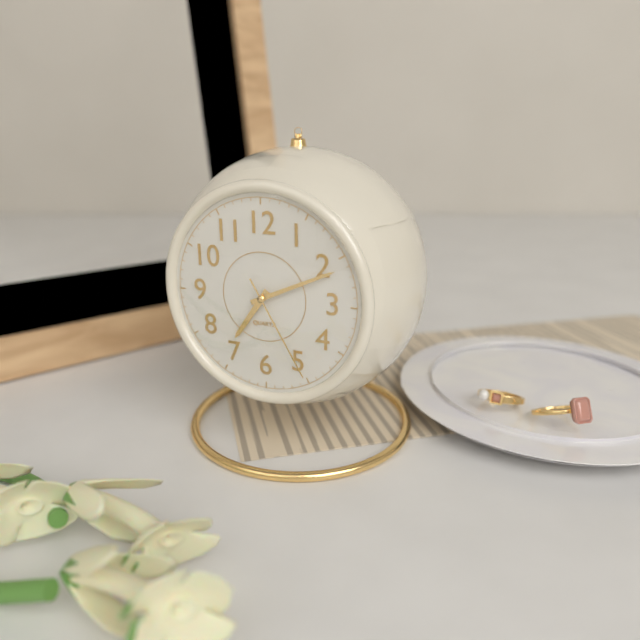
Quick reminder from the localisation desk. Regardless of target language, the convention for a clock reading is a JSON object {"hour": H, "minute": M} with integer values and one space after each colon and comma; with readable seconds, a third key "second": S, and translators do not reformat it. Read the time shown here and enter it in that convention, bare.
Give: {"hour": 7, "minute": 11, "second": 25}
